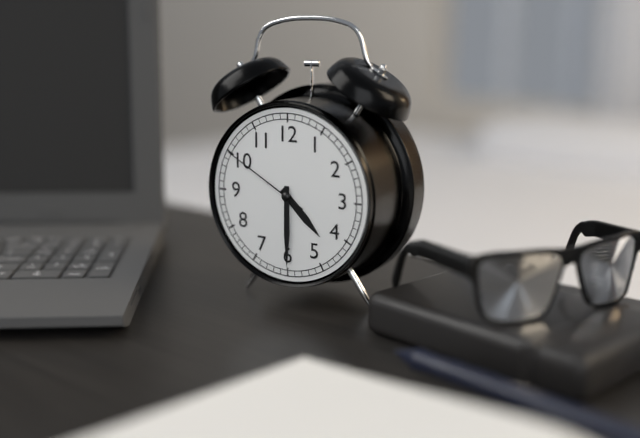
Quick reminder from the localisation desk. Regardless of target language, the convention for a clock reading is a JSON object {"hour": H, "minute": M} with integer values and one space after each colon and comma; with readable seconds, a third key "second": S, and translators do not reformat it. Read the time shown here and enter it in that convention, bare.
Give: {"hour": 4, "minute": 30, "second": 50}
